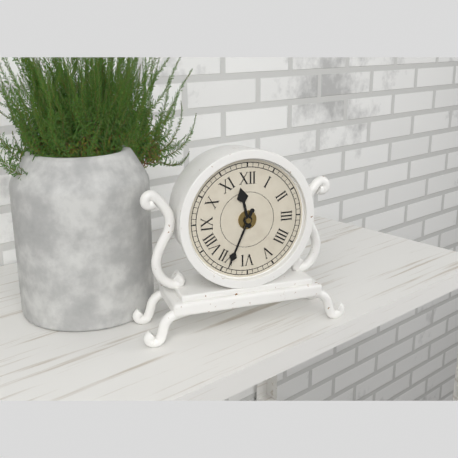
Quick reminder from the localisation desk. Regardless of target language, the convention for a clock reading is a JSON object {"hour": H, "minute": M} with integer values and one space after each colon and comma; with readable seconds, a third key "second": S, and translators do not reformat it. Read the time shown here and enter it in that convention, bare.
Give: {"hour": 11, "minute": 34}
